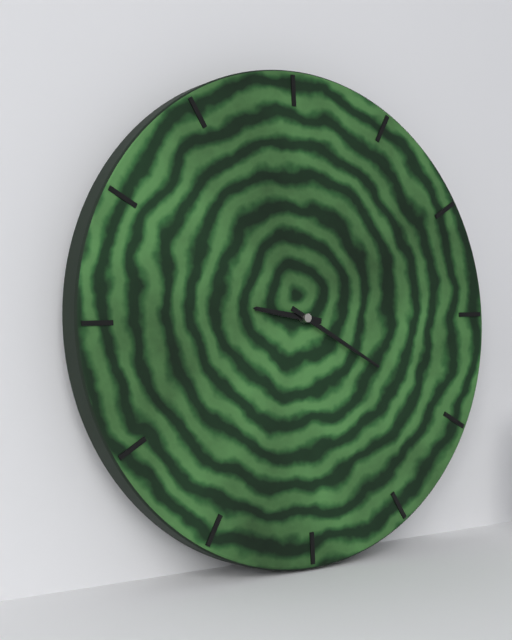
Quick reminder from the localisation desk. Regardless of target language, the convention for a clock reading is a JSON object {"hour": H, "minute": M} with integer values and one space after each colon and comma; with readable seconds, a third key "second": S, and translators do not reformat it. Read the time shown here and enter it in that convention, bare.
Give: {"hour": 9, "minute": 20}
